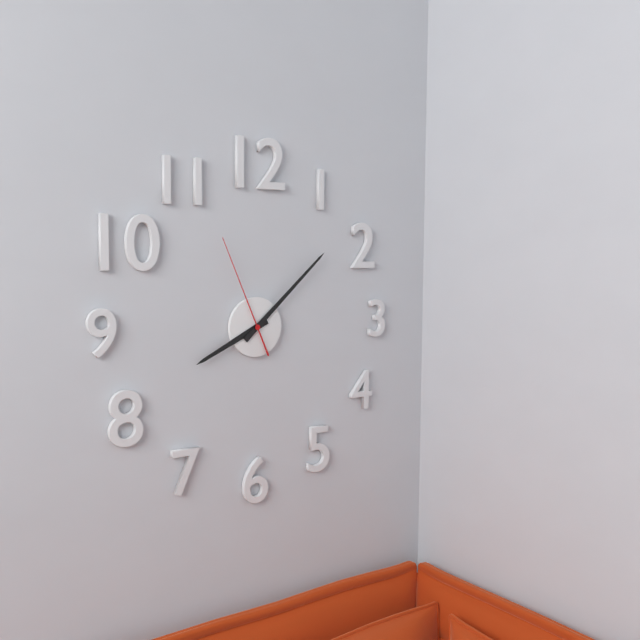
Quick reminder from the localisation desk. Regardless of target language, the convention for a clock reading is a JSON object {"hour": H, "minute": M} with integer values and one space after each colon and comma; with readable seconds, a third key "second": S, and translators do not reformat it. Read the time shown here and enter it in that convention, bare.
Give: {"hour": 8, "minute": 8, "second": 56}
